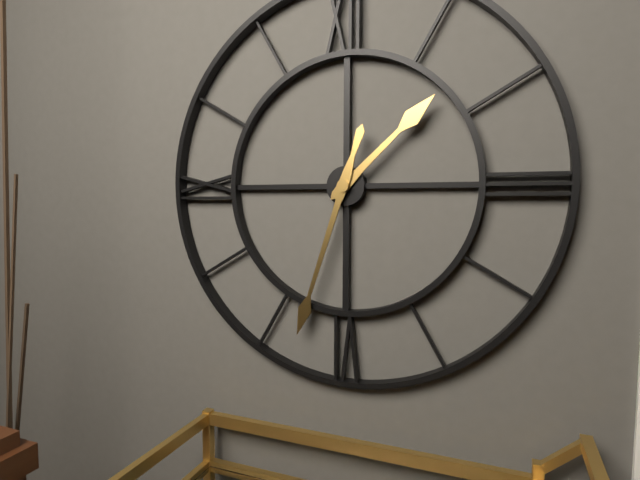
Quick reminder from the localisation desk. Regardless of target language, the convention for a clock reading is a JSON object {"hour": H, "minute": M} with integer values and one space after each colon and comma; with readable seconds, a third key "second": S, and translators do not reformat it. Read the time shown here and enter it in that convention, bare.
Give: {"hour": 1, "minute": 33}
